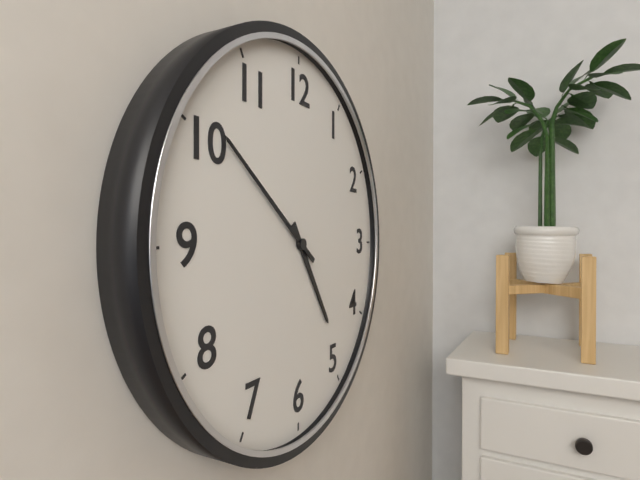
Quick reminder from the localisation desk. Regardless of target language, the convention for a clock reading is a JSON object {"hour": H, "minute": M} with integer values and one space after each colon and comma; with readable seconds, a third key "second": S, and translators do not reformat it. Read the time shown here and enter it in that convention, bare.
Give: {"hour": 4, "minute": 51}
